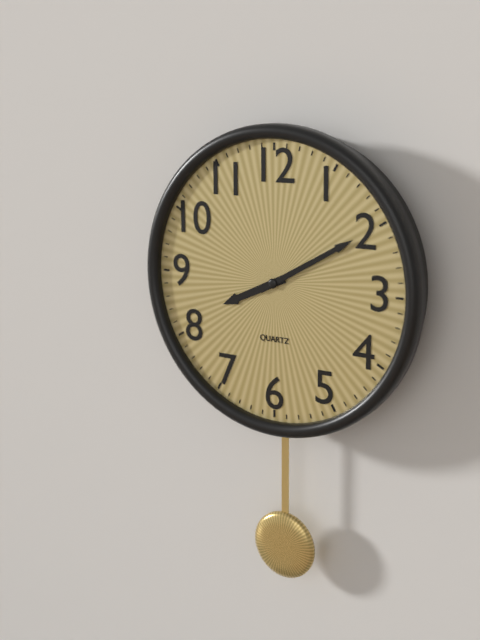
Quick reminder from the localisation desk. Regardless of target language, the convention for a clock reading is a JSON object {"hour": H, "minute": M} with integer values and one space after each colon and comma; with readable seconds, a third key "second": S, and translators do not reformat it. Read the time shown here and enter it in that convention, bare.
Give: {"hour": 8, "minute": 10}
